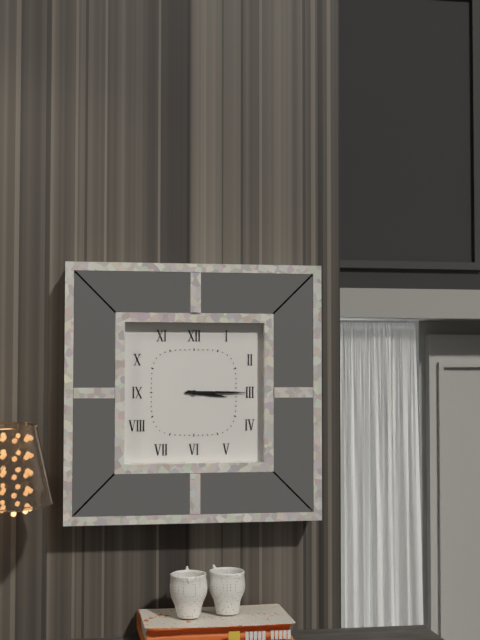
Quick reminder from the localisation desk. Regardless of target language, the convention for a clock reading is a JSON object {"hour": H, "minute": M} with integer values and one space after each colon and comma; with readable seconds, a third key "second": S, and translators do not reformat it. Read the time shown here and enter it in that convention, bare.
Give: {"hour": 3, "minute": 15}
